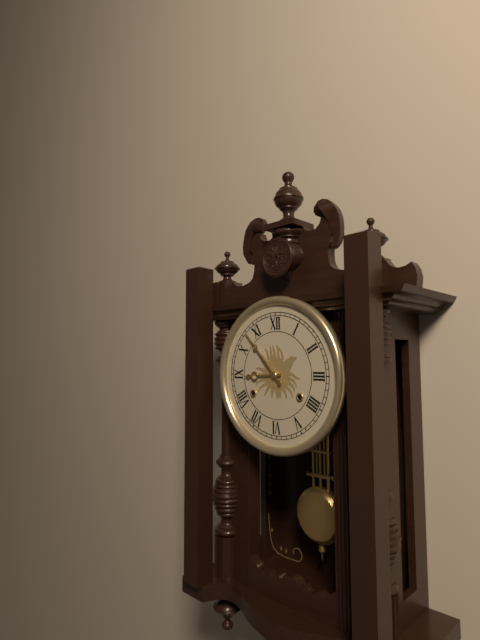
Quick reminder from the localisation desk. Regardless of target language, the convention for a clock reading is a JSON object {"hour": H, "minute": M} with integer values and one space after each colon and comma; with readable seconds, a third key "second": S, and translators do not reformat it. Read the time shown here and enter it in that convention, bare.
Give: {"hour": 8, "minute": 53}
